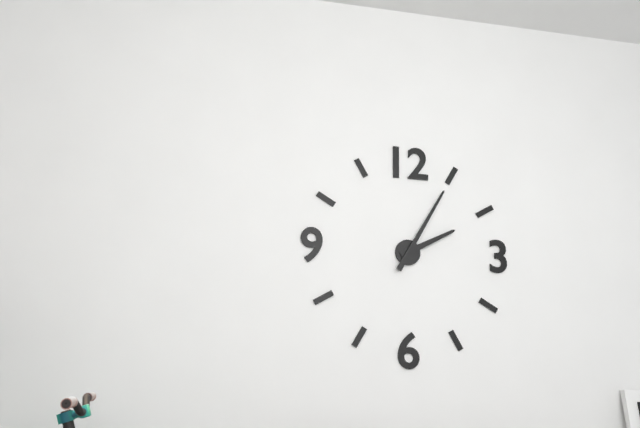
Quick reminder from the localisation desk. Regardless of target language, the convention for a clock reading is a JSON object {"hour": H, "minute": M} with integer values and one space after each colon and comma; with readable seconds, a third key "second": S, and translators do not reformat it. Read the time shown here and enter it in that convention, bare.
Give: {"hour": 2, "minute": 5}
